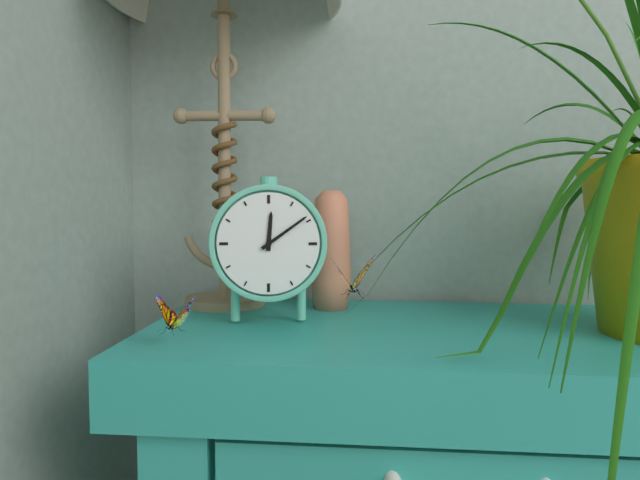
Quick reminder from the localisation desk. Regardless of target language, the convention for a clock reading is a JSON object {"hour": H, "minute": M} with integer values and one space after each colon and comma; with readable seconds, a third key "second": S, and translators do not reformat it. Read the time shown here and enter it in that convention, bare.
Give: {"hour": 12, "minute": 9}
